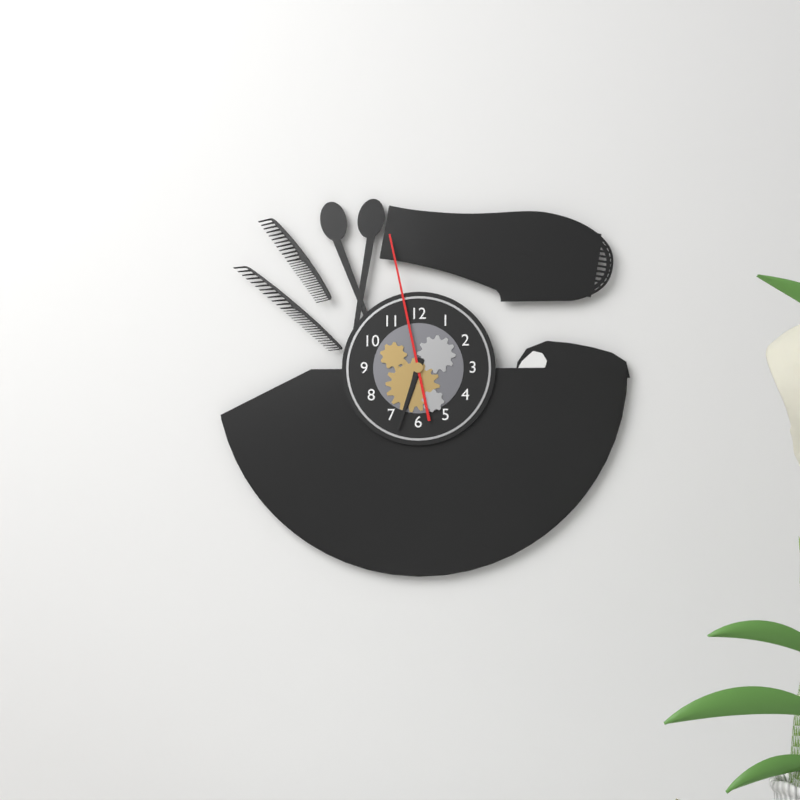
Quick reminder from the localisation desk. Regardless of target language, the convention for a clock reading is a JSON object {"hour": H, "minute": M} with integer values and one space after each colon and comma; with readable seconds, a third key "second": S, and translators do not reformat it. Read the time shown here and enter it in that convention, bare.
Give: {"hour": 6, "minute": 33, "second": 58}
